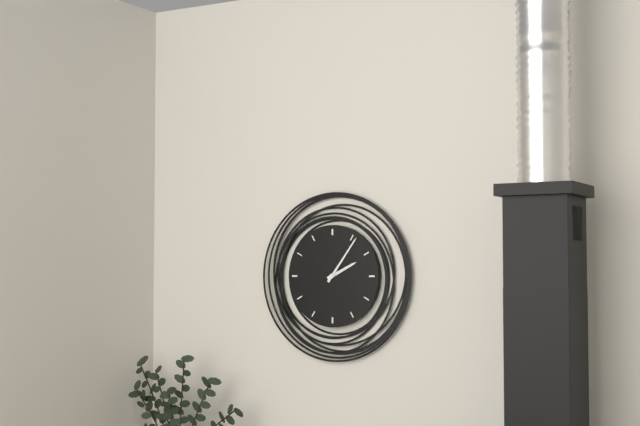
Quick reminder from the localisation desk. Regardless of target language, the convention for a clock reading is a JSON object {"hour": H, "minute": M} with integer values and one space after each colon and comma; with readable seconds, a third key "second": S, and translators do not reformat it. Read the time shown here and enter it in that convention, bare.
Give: {"hour": 2, "minute": 6}
